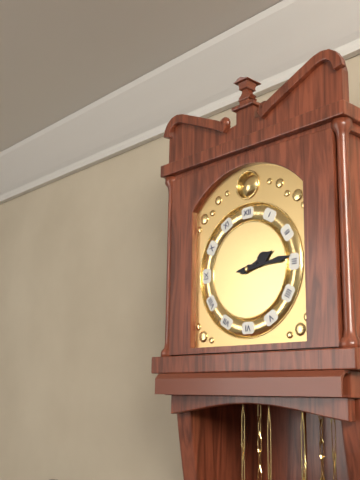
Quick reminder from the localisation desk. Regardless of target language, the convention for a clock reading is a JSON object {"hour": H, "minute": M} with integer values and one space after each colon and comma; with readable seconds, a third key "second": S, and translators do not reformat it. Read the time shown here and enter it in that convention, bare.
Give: {"hour": 2, "minute": 14}
